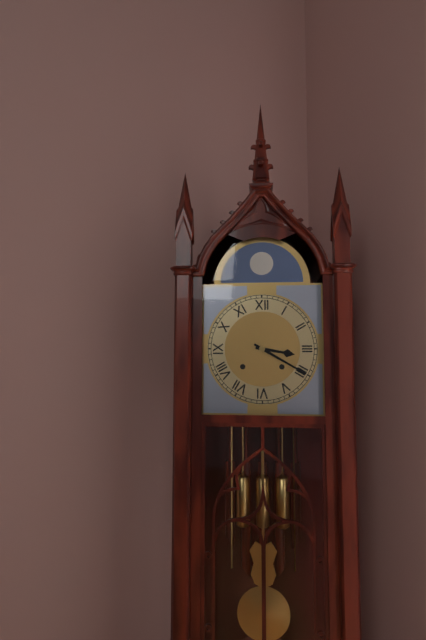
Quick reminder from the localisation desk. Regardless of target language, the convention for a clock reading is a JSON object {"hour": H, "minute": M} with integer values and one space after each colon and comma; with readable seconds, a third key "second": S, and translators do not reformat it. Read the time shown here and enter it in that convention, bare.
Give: {"hour": 3, "minute": 20}
